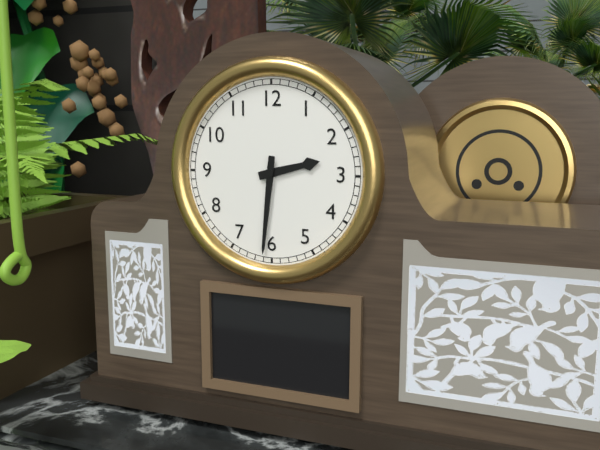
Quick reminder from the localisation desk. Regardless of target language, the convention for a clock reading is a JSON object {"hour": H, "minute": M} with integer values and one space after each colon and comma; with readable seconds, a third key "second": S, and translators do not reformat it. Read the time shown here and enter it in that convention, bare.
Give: {"hour": 2, "minute": 31}
